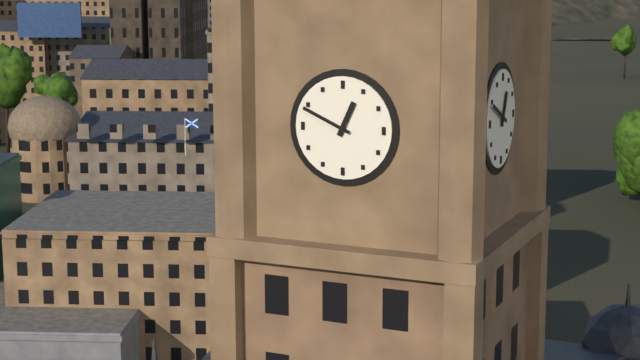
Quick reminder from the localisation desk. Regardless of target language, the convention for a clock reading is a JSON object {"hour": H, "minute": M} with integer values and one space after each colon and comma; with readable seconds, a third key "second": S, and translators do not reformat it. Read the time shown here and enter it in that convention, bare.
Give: {"hour": 12, "minute": 49}
